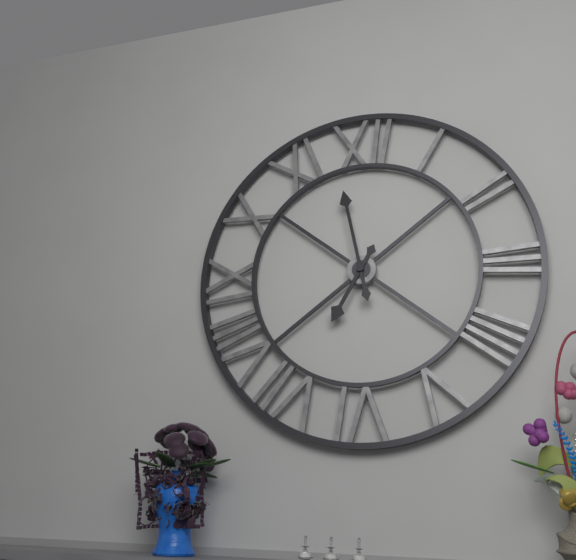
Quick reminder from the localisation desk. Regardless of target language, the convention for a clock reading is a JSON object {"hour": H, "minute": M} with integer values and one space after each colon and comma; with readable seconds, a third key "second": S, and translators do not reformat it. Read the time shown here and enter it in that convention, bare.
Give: {"hour": 6, "minute": 58}
